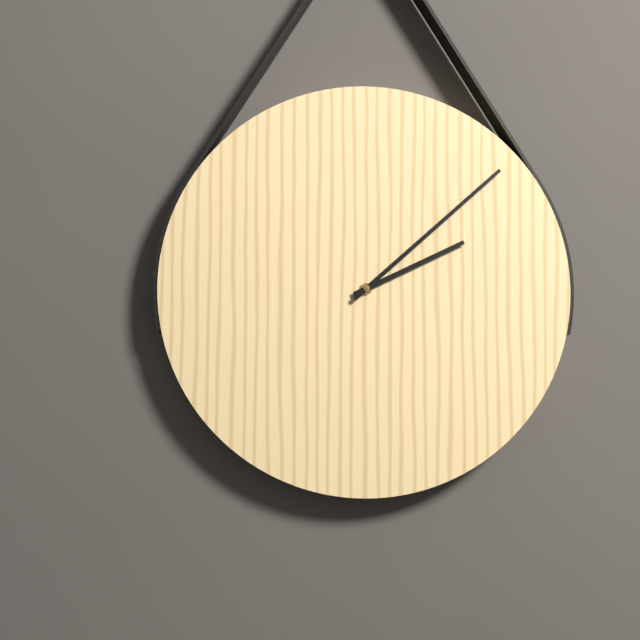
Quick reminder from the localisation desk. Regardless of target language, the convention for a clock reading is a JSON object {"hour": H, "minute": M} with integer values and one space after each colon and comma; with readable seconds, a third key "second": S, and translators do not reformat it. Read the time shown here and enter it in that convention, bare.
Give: {"hour": 2, "minute": 8}
